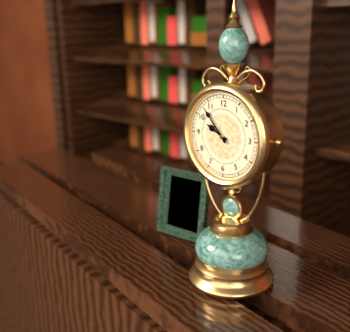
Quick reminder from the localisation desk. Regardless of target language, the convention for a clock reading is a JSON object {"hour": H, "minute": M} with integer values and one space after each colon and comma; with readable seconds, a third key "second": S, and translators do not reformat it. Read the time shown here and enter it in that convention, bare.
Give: {"hour": 9, "minute": 53}
